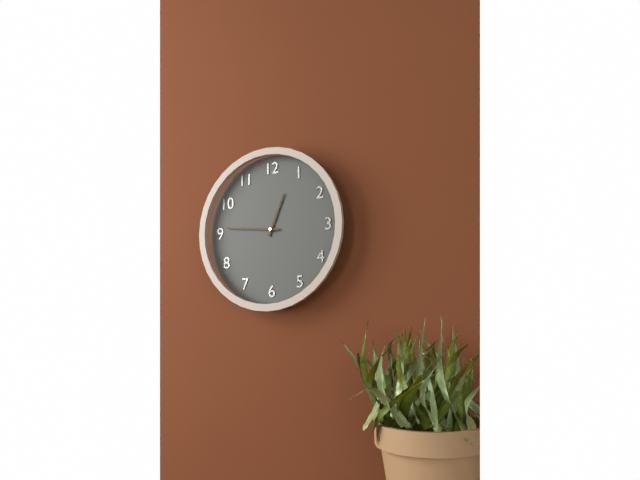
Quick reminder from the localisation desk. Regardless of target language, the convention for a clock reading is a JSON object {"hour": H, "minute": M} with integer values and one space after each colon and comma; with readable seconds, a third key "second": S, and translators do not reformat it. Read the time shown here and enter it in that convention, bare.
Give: {"hour": 12, "minute": 46}
